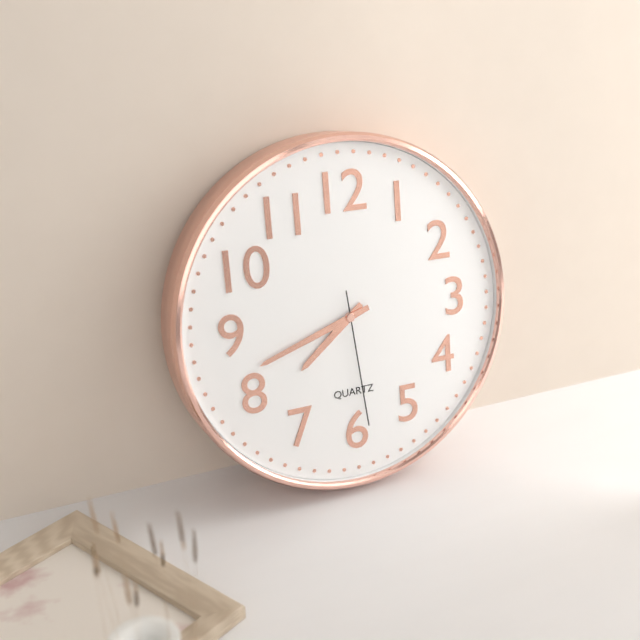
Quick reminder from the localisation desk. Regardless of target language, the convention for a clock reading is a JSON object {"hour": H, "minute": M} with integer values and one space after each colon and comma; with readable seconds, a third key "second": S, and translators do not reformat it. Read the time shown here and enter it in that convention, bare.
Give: {"hour": 7, "minute": 42, "second": 29}
